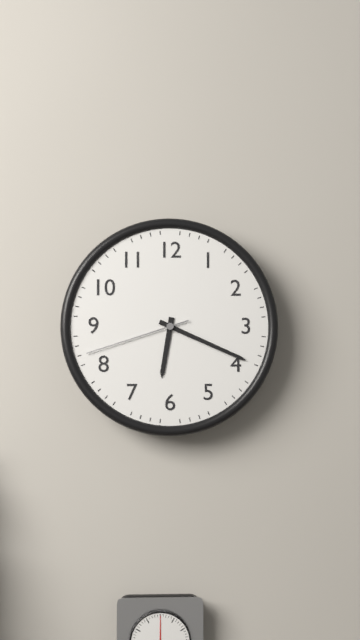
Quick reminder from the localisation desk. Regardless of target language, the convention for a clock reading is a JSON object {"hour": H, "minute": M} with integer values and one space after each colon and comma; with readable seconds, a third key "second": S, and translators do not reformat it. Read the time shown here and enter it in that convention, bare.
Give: {"hour": 6, "minute": 19, "second": 42}
